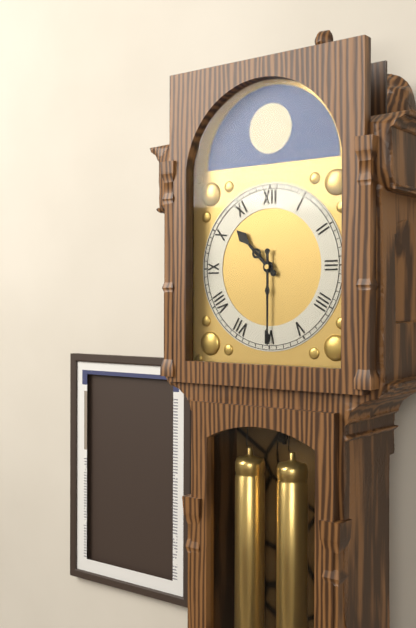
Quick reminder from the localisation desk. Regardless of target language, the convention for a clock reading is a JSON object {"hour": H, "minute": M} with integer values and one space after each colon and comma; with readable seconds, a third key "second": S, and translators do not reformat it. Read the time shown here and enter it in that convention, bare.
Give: {"hour": 10, "minute": 30}
